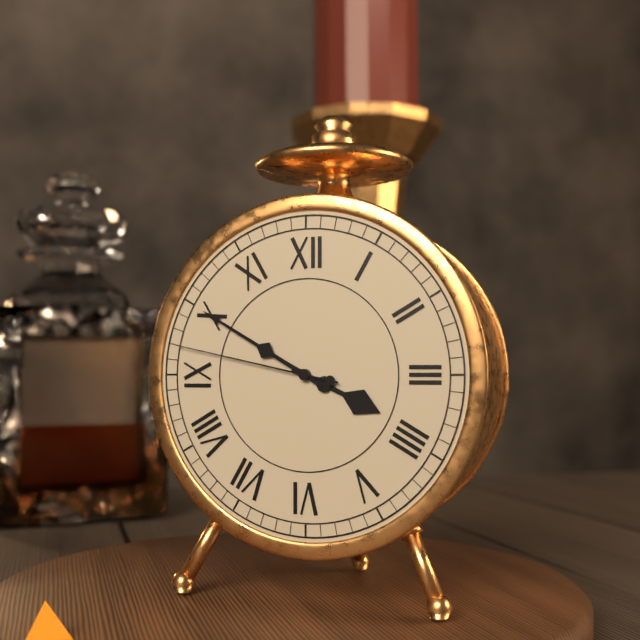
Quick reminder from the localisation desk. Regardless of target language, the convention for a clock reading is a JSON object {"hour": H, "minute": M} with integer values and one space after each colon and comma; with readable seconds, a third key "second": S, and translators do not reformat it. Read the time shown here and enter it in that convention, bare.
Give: {"hour": 3, "minute": 50, "second": 47}
